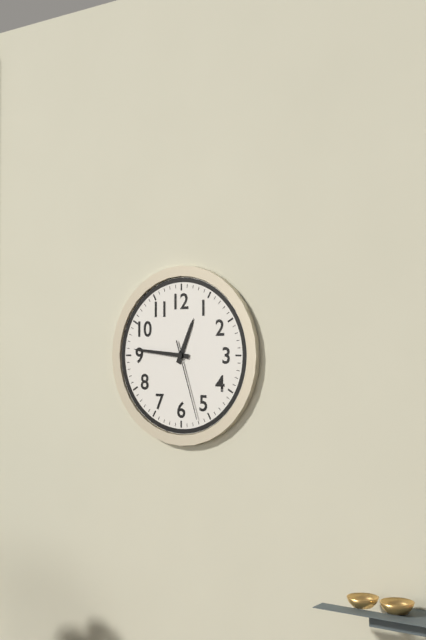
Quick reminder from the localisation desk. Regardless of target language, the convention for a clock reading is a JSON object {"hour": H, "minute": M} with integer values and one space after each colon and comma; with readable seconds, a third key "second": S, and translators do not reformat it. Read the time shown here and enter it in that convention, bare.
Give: {"hour": 12, "minute": 46, "second": 27}
